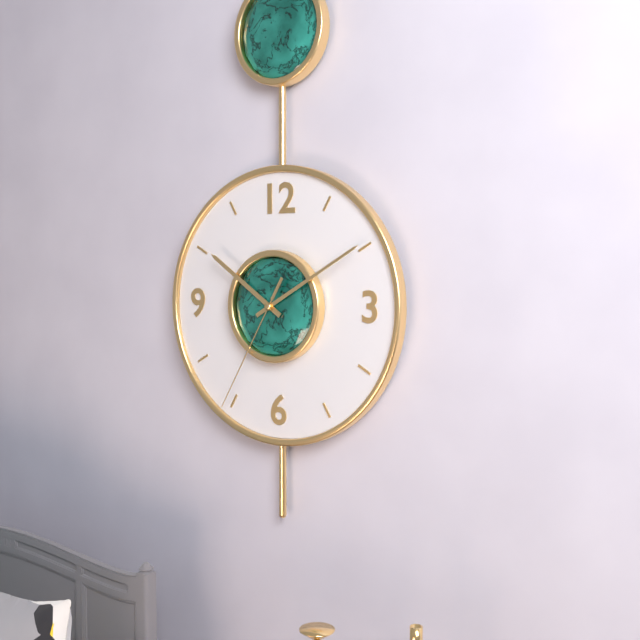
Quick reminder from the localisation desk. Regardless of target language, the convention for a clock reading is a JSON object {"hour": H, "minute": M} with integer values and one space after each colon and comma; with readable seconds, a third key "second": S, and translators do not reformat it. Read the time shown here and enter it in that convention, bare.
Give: {"hour": 10, "minute": 10, "second": 35}
